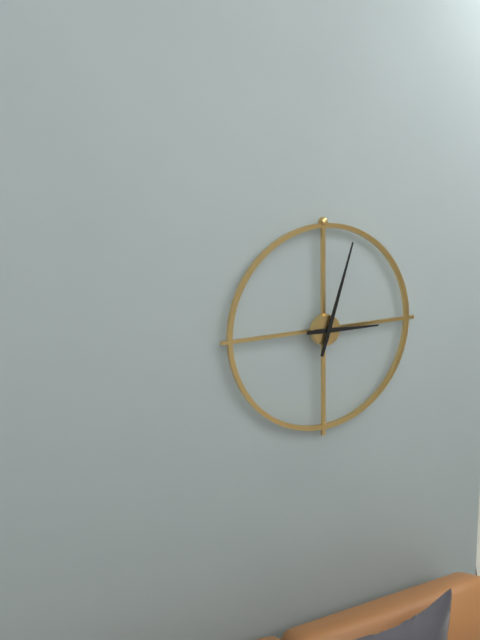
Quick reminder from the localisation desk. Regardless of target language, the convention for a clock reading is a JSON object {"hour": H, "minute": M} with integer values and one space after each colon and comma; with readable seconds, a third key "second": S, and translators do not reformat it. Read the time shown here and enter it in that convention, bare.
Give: {"hour": 3, "minute": 3}
